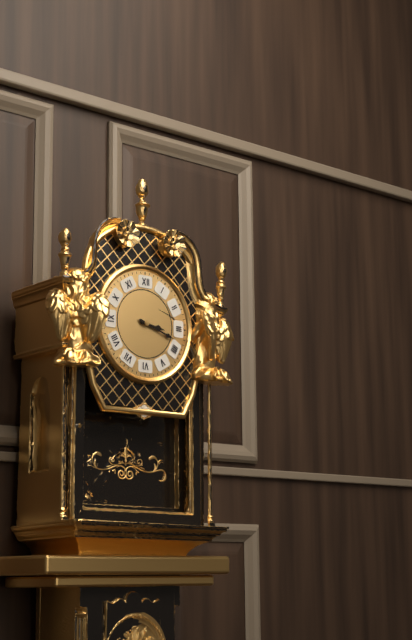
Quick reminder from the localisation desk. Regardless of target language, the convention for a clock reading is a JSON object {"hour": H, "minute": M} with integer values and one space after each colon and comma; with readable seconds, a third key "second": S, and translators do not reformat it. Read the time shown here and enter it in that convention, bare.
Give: {"hour": 3, "minute": 18}
